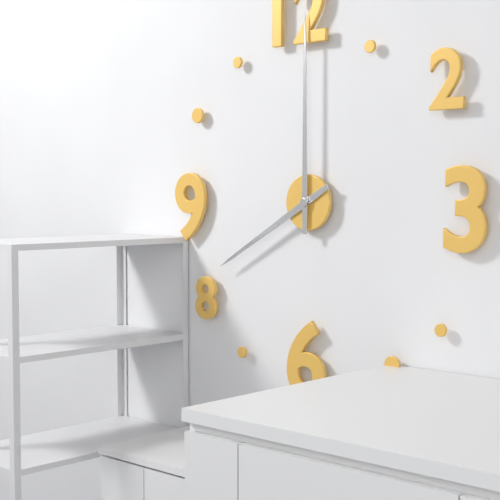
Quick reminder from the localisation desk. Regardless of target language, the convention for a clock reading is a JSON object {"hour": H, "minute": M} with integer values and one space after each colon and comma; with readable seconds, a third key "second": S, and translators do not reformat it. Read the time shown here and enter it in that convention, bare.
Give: {"hour": 8, "minute": 0}
